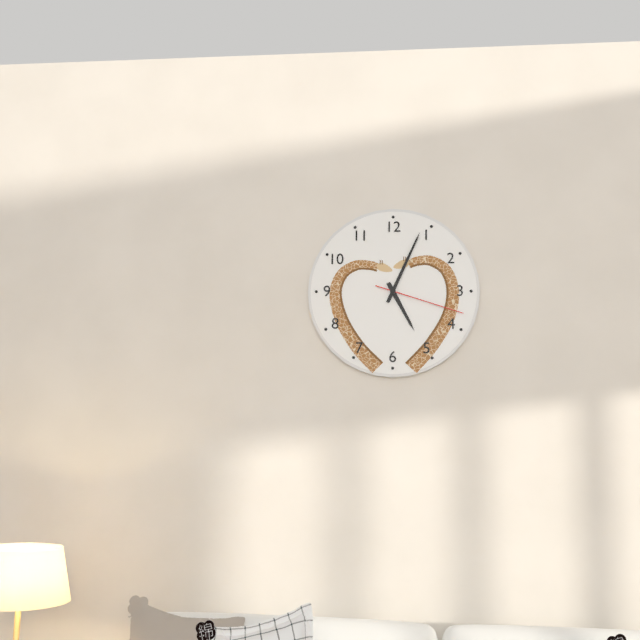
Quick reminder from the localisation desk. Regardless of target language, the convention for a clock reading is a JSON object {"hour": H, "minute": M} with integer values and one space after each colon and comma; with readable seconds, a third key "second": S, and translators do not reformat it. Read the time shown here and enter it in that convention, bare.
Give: {"hour": 5, "minute": 4, "second": 18}
